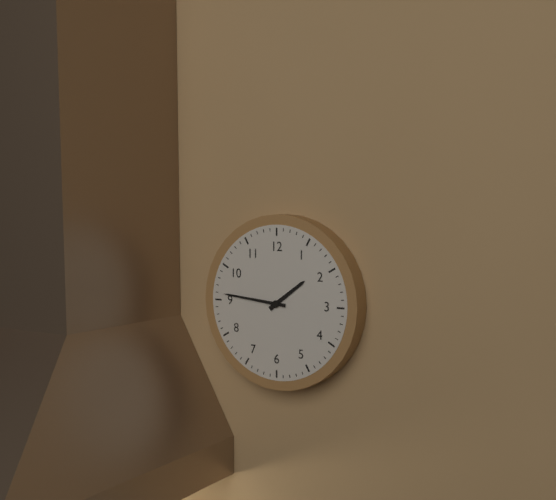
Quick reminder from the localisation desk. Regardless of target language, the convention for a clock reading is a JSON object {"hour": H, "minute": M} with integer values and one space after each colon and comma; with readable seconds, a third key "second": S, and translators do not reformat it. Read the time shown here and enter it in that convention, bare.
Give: {"hour": 1, "minute": 46}
